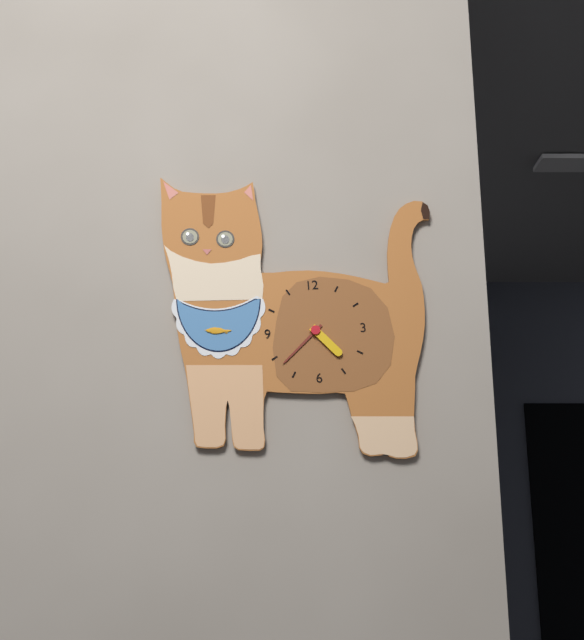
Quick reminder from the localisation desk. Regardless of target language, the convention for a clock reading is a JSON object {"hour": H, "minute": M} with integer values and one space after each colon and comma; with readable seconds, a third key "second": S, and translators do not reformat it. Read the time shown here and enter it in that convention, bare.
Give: {"hour": 4, "minute": 38}
